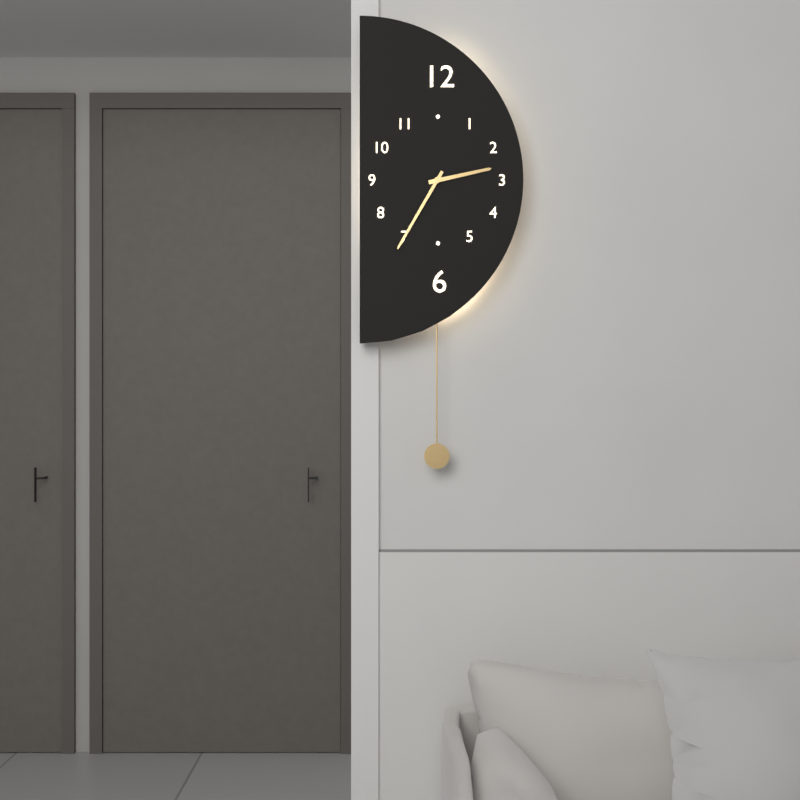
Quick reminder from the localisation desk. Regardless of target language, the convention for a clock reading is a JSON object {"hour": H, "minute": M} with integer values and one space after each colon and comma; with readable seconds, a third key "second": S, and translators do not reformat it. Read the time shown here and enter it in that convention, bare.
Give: {"hour": 2, "minute": 35}
